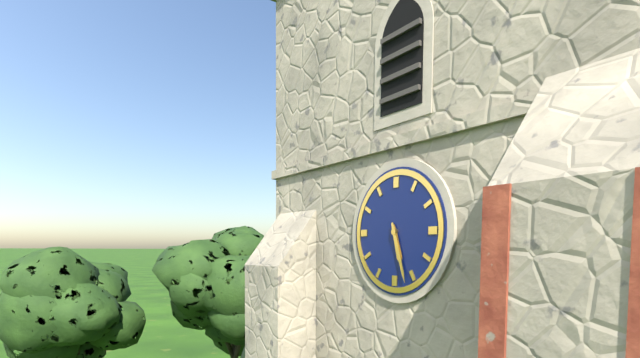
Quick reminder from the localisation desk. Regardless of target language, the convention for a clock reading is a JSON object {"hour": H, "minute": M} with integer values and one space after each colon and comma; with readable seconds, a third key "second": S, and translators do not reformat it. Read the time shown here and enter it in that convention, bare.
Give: {"hour": 5, "minute": 27}
